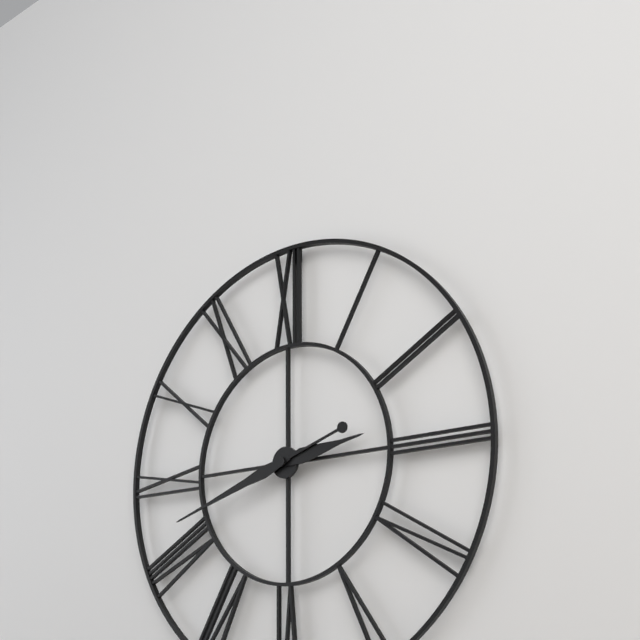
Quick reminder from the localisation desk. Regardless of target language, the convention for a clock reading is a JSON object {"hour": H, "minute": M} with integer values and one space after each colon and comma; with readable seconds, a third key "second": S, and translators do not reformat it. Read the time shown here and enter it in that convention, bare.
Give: {"hour": 2, "minute": 42}
